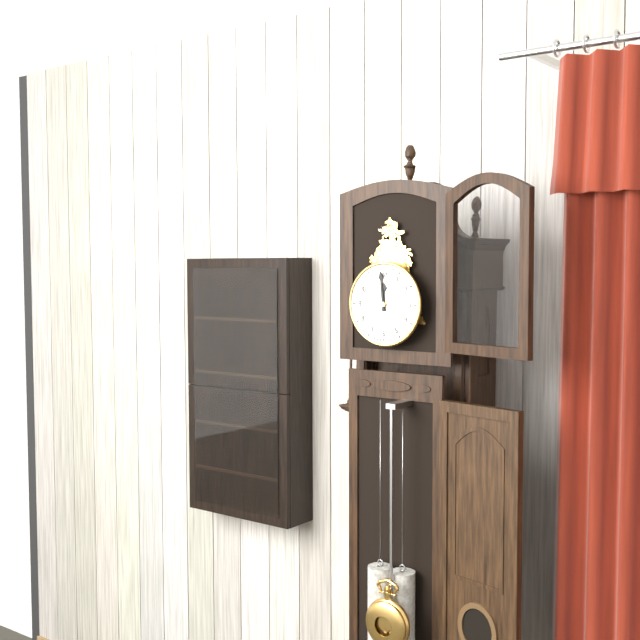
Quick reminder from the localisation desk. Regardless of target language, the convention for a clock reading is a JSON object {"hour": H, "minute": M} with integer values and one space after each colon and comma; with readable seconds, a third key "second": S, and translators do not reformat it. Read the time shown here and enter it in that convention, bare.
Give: {"hour": 11, "minute": 59}
